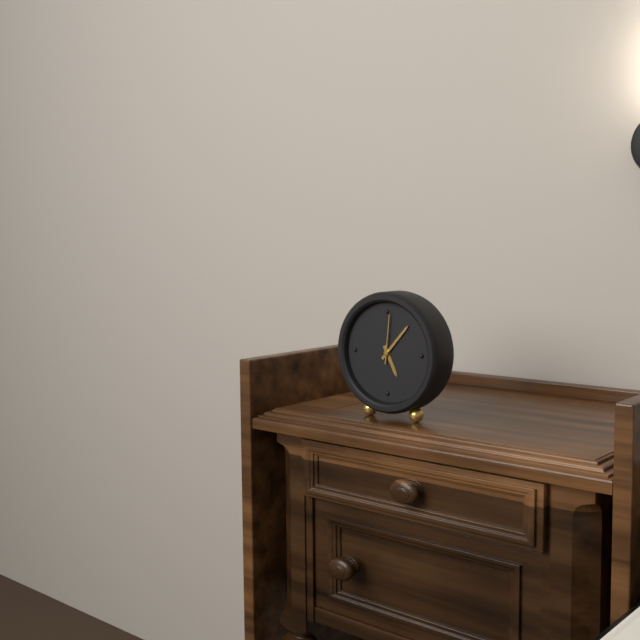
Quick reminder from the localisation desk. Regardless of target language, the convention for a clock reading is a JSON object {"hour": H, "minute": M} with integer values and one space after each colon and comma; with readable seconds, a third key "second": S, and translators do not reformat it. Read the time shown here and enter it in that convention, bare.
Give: {"hour": 5, "minute": 7}
